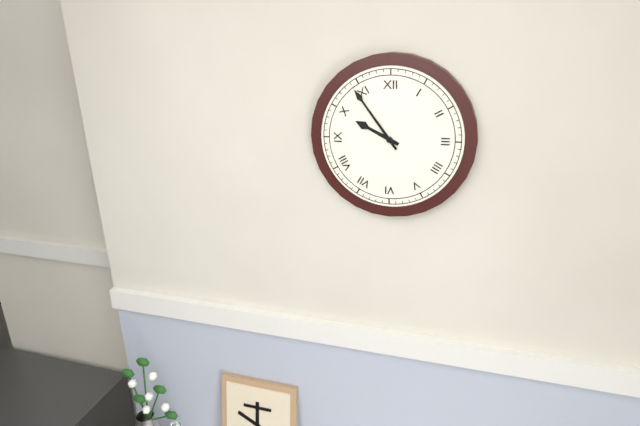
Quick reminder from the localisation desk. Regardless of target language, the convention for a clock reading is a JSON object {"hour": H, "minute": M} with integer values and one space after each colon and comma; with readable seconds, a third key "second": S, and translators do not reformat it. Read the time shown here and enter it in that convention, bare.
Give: {"hour": 9, "minute": 54}
